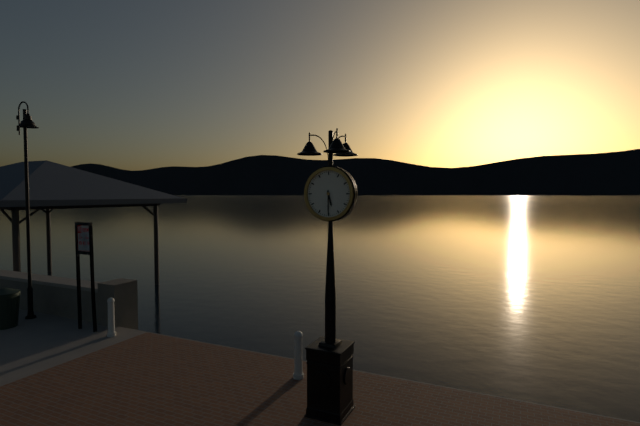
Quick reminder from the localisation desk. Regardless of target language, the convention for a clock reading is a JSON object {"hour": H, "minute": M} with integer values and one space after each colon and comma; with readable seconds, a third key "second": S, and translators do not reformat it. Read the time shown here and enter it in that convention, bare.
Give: {"hour": 5, "minute": 30}
